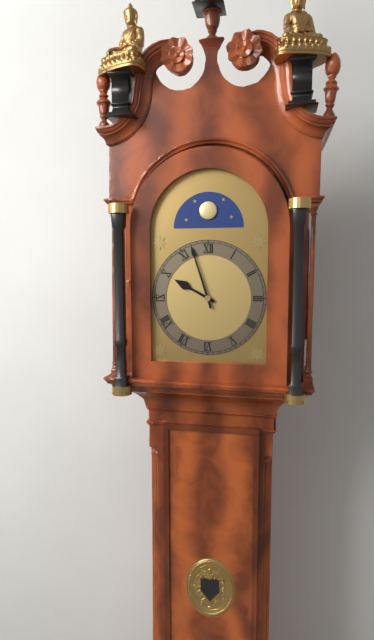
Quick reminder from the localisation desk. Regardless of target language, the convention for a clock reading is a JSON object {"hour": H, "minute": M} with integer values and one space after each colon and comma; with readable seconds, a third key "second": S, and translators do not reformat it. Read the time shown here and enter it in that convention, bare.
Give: {"hour": 9, "minute": 57}
